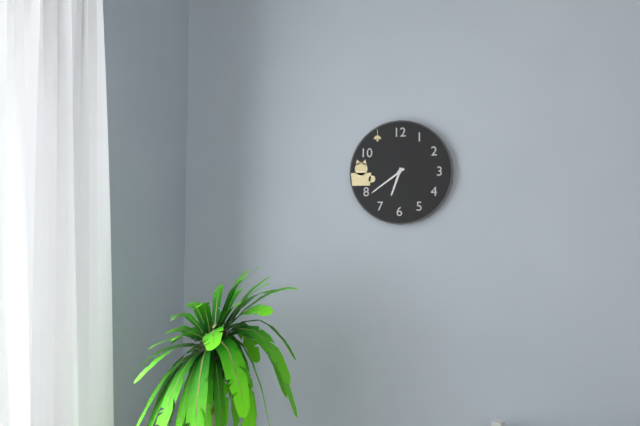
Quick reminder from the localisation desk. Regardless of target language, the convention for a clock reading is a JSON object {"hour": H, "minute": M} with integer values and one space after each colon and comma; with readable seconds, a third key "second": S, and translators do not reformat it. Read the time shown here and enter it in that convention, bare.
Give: {"hour": 6, "minute": 39}
